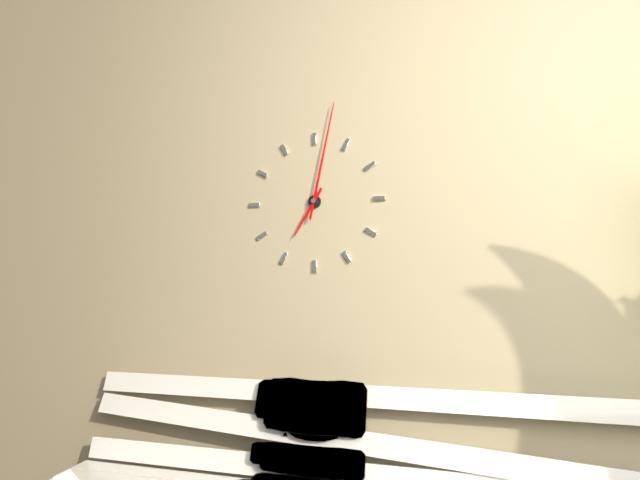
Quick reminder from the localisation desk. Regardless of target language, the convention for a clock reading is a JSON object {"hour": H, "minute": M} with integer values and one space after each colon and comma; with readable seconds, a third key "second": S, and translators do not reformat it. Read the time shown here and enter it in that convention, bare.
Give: {"hour": 7, "minute": 2}
